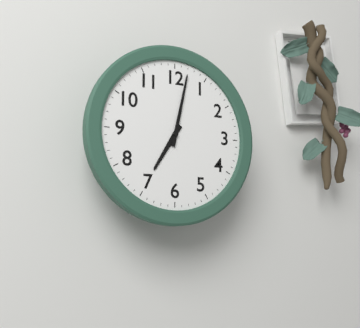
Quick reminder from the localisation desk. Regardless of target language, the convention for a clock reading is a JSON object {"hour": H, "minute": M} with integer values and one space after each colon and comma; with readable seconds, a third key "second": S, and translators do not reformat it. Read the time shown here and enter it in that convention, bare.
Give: {"hour": 7, "minute": 2}
